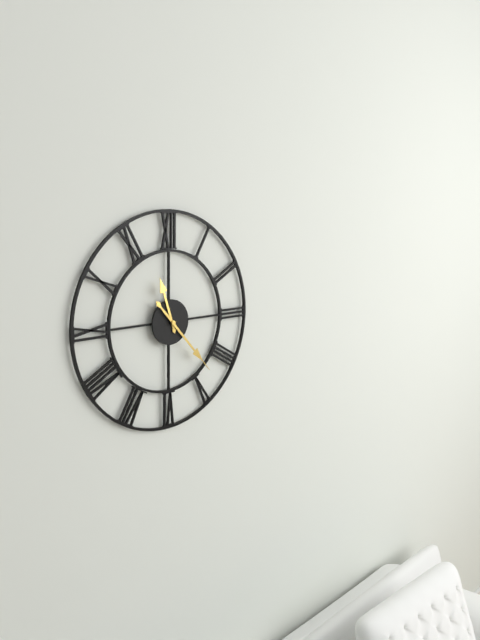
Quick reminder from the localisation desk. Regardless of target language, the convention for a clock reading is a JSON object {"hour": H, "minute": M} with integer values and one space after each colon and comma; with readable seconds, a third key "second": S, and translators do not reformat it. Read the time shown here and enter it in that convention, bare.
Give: {"hour": 11, "minute": 23}
